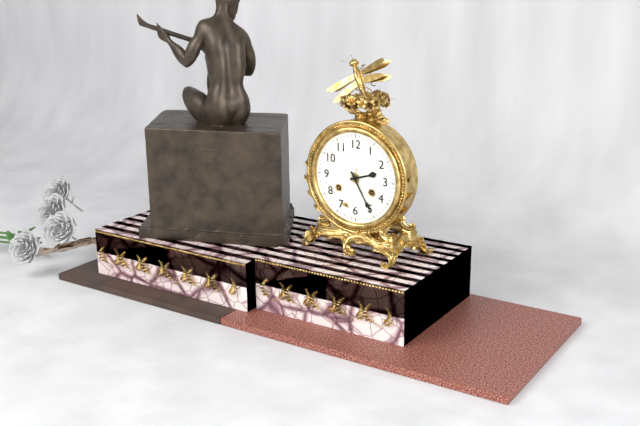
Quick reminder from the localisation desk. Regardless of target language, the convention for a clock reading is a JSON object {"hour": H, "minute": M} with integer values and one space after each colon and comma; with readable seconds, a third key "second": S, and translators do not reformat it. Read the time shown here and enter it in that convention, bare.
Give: {"hour": 2, "minute": 25}
